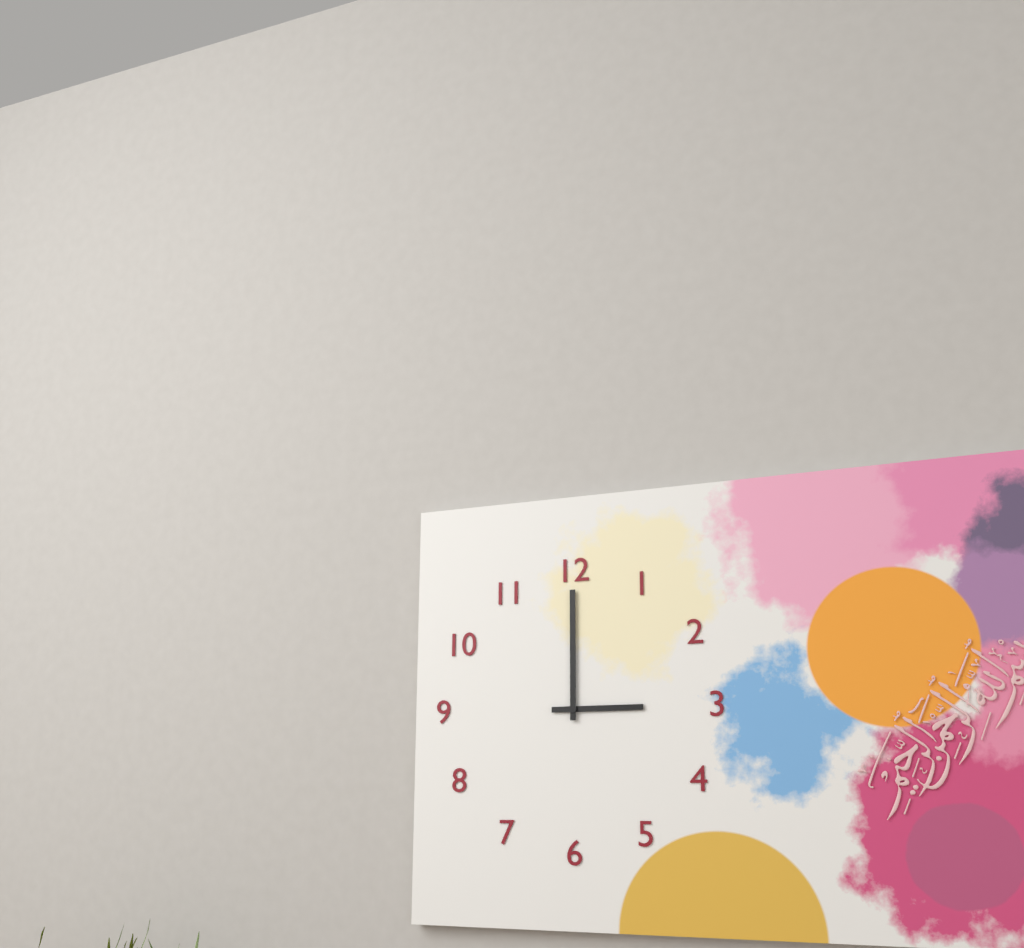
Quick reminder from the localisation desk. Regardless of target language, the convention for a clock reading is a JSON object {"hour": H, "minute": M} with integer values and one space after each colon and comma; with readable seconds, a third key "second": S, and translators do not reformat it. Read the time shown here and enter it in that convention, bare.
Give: {"hour": 3, "minute": 0}
